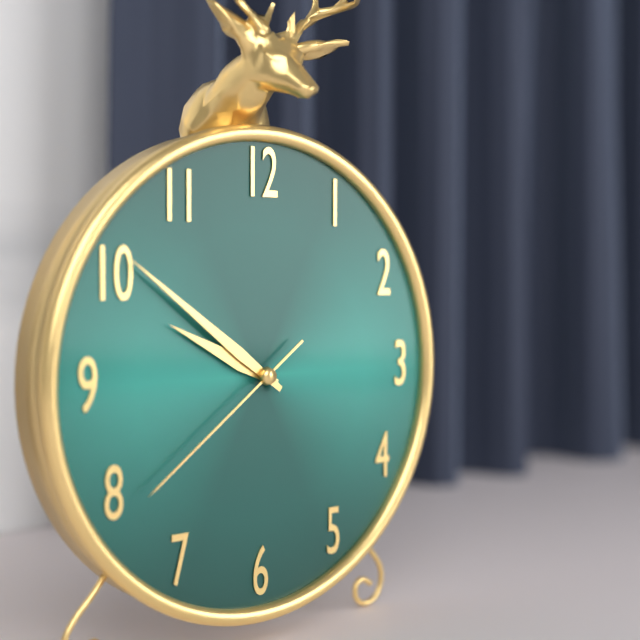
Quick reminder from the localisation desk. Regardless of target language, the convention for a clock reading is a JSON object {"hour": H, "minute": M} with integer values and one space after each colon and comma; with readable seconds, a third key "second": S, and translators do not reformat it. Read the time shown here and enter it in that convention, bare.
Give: {"hour": 9, "minute": 51, "second": 39}
